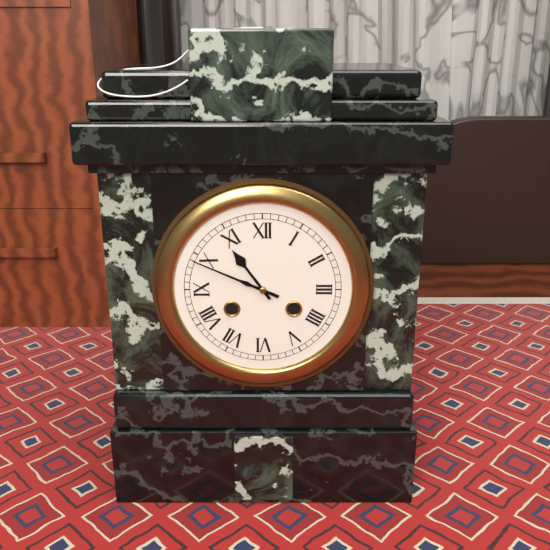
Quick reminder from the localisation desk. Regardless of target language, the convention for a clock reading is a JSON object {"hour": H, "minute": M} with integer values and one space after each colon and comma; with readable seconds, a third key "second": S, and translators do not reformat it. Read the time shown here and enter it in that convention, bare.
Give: {"hour": 10, "minute": 49}
